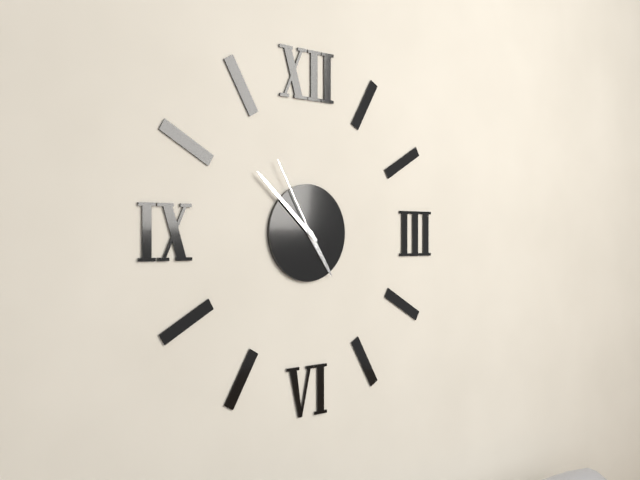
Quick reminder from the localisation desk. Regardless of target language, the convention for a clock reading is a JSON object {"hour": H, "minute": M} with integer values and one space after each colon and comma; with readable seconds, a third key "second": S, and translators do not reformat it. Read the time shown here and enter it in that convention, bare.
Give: {"hour": 4, "minute": 52, "second": 55}
